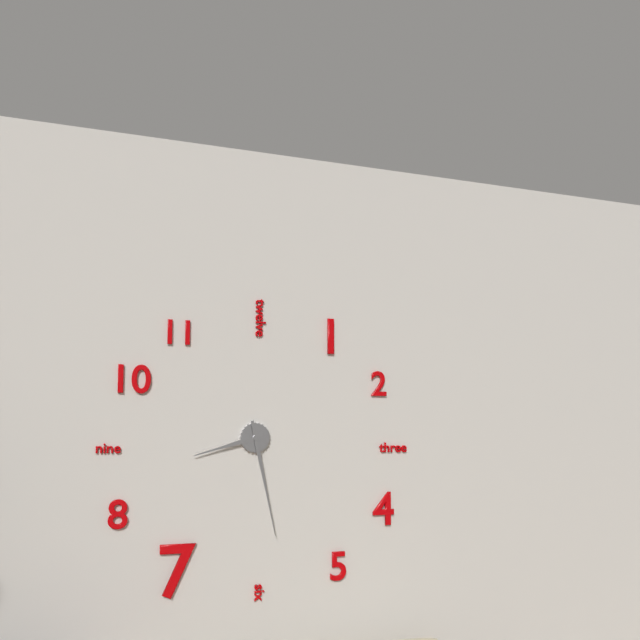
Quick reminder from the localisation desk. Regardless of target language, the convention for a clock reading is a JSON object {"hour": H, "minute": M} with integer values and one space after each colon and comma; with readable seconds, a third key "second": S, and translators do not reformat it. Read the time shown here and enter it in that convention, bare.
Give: {"hour": 8, "minute": 28}
